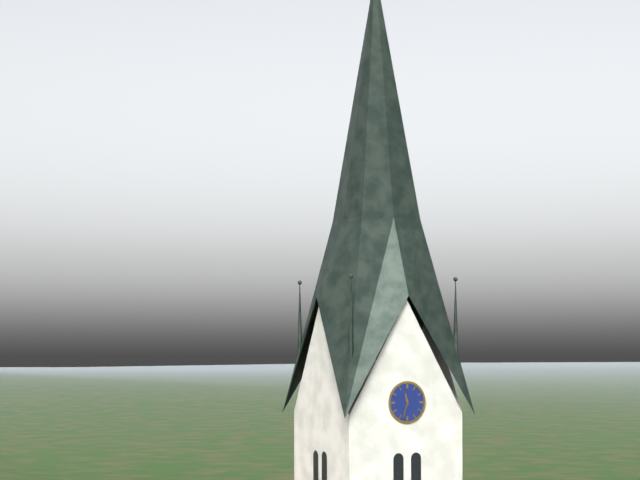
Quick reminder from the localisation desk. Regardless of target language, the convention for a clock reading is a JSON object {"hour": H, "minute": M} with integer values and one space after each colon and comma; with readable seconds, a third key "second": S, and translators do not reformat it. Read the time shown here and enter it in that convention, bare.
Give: {"hour": 11, "minute": 33}
